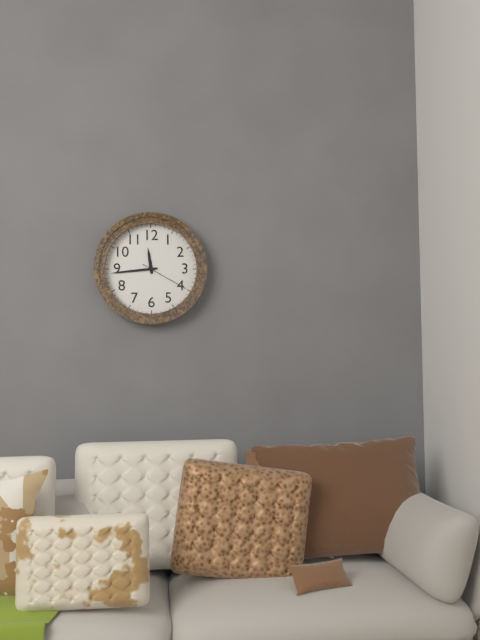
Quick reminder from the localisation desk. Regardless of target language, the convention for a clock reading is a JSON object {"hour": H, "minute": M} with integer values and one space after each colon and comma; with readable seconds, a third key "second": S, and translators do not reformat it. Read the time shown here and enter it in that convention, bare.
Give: {"hour": 11, "minute": 44}
